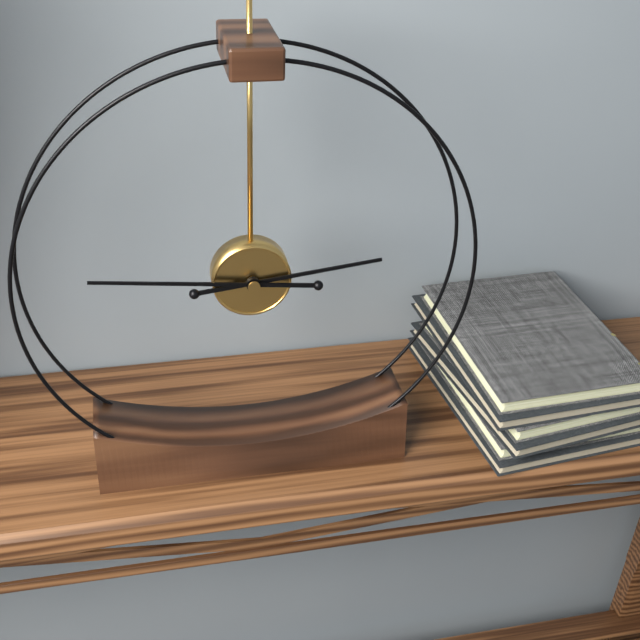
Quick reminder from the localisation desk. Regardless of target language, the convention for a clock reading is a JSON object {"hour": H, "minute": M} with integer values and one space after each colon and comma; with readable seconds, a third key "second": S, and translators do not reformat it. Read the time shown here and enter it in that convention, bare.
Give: {"hour": 2, "minute": 46}
